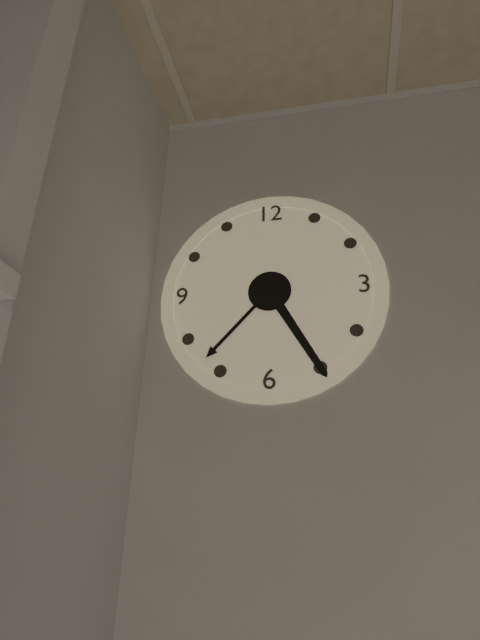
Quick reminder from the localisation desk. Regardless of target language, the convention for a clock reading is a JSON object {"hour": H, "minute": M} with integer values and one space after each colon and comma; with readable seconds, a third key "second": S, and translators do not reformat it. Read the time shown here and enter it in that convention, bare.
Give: {"hour": 7, "minute": 25}
